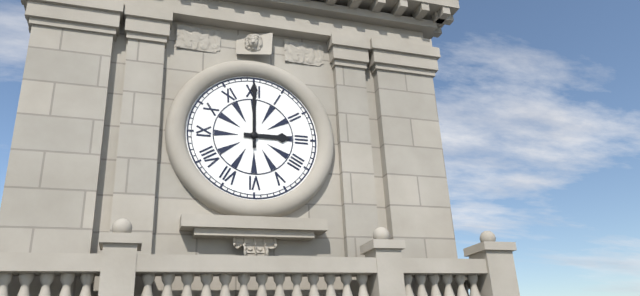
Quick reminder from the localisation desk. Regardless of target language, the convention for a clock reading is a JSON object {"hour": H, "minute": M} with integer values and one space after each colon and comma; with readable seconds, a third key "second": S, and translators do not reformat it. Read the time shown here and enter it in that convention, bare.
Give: {"hour": 3, "minute": 0}
